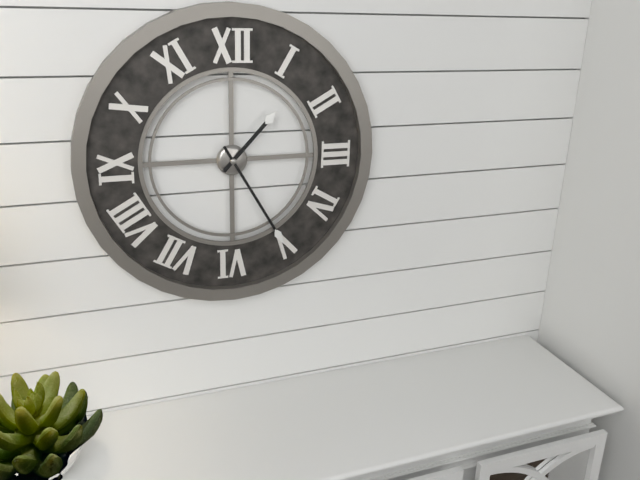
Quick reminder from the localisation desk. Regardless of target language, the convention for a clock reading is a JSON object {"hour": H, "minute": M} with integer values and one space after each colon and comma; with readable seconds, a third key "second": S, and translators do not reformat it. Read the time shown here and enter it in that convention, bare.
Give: {"hour": 1, "minute": 25}
